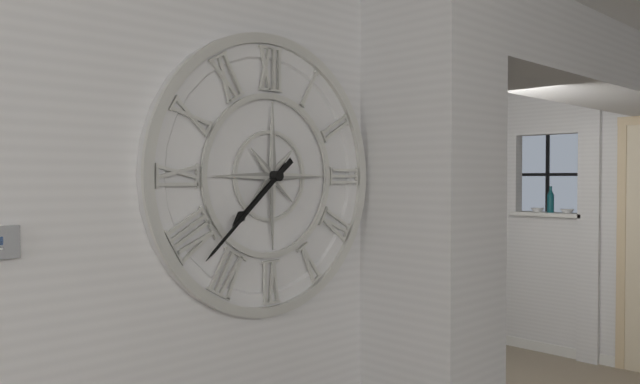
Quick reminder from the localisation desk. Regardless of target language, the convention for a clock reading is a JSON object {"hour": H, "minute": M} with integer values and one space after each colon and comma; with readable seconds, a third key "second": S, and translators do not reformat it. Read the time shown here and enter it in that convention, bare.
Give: {"hour": 7, "minute": 38}
